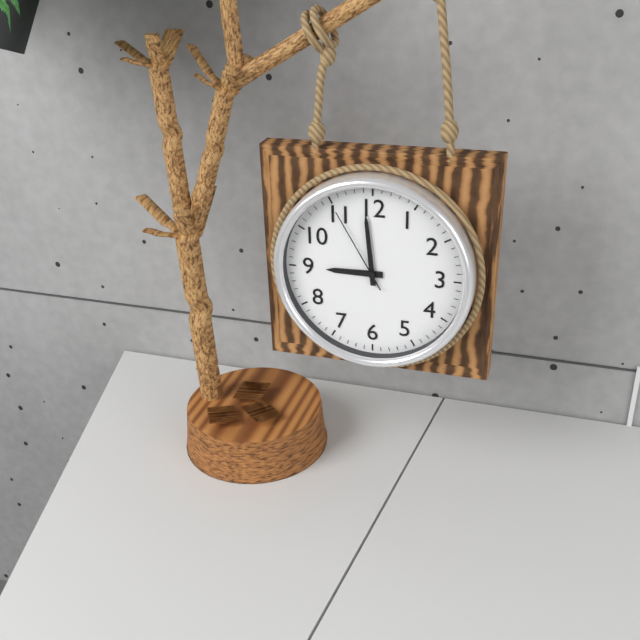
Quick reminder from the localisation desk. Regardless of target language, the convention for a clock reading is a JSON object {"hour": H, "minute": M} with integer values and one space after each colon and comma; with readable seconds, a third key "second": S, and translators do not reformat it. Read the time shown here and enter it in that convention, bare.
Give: {"hour": 8, "minute": 59, "second": 55}
